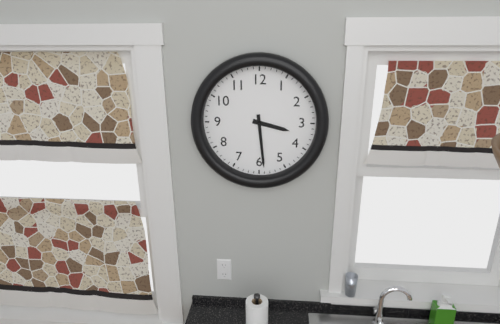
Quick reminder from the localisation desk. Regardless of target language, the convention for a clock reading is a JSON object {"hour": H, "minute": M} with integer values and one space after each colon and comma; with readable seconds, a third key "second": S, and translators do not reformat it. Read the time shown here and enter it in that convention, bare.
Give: {"hour": 3, "minute": 29}
